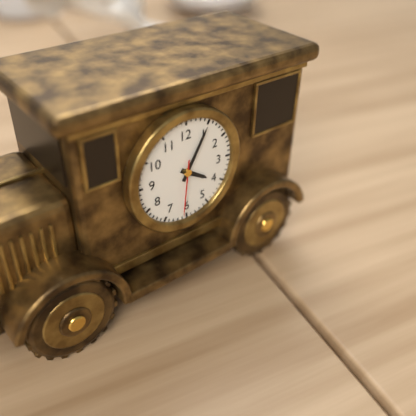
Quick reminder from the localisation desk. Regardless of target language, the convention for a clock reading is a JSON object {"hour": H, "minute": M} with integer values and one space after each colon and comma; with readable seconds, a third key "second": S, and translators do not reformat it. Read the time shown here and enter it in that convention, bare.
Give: {"hour": 4, "minute": 5, "second": 31}
